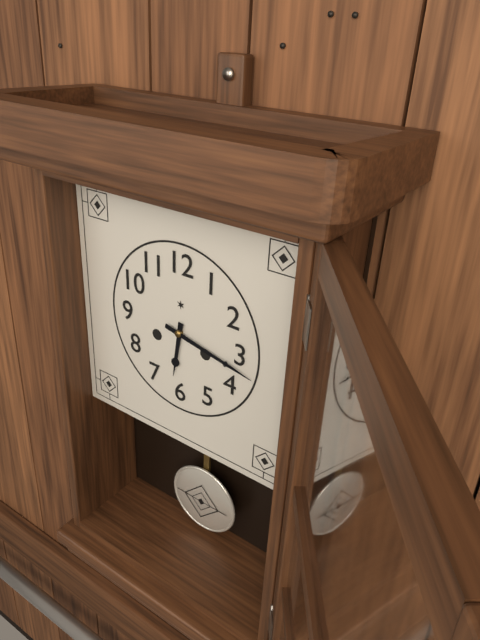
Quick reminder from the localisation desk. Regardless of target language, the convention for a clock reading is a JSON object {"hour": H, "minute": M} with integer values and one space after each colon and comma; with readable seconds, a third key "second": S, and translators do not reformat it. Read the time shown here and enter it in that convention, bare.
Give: {"hour": 6, "minute": 17}
